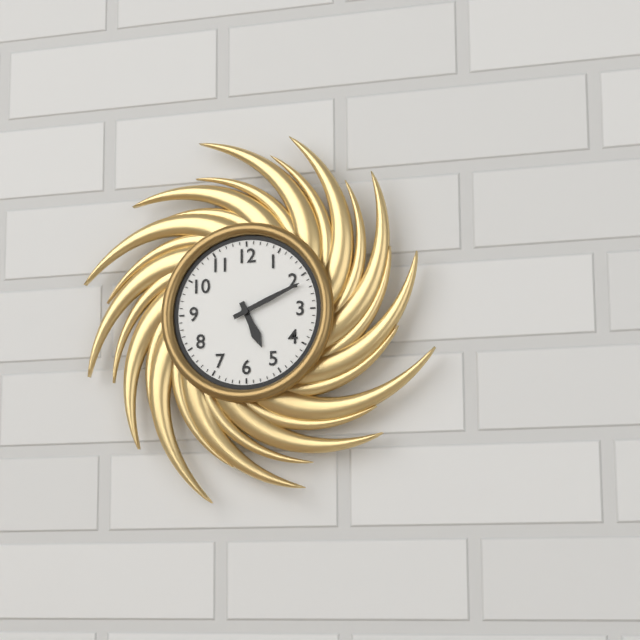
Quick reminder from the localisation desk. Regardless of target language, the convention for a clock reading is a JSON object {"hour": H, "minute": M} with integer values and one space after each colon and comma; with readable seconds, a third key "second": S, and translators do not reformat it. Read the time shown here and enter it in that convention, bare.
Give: {"hour": 5, "minute": 11}
